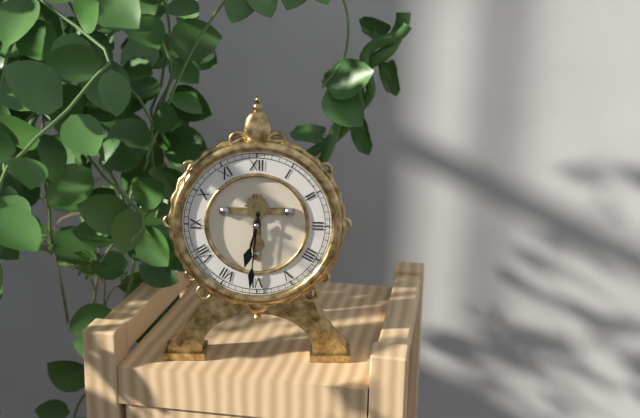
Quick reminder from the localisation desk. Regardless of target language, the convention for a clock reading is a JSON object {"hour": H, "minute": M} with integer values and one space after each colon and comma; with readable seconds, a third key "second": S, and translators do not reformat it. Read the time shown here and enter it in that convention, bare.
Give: {"hour": 6, "minute": 31}
